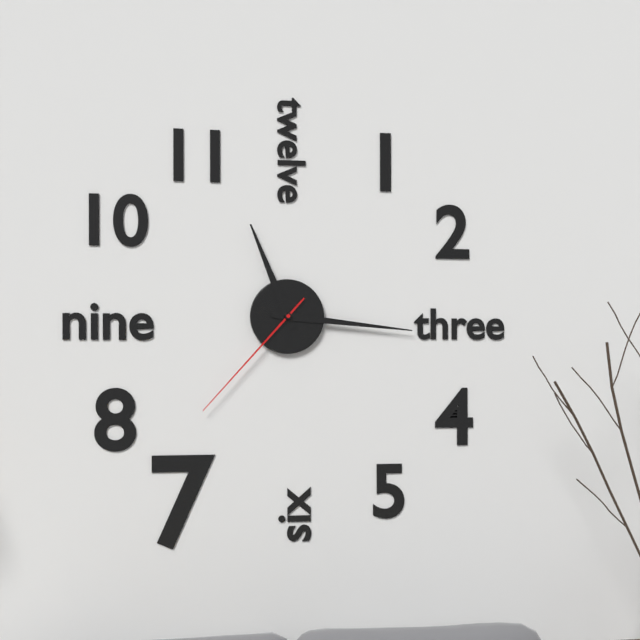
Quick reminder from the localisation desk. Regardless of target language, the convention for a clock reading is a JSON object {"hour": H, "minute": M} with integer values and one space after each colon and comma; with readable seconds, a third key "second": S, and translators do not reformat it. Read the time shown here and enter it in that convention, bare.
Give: {"hour": 11, "minute": 16, "second": 37}
